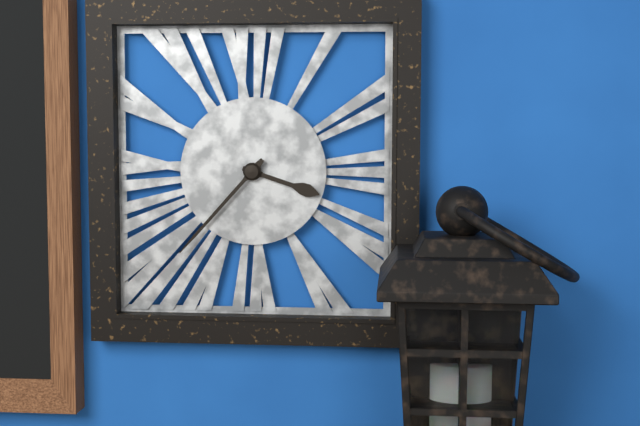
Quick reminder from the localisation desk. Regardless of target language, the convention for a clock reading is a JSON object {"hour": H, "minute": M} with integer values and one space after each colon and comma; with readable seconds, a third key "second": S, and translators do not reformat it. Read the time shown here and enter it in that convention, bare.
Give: {"hour": 3, "minute": 37}
